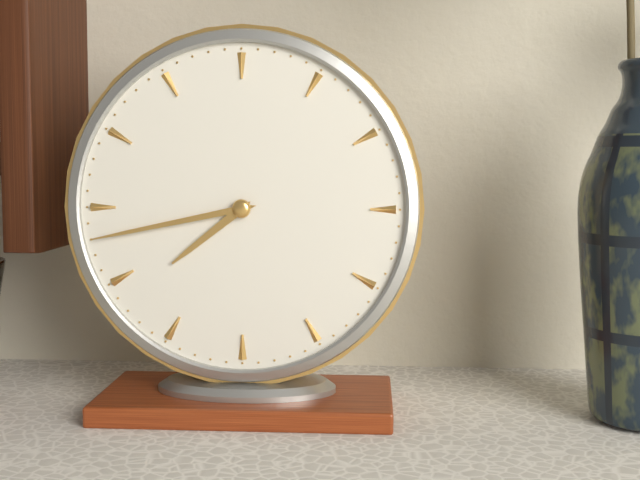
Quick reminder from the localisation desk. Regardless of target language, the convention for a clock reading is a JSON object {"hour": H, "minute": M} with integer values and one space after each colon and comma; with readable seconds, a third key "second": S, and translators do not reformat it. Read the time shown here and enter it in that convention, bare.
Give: {"hour": 7, "minute": 43}
